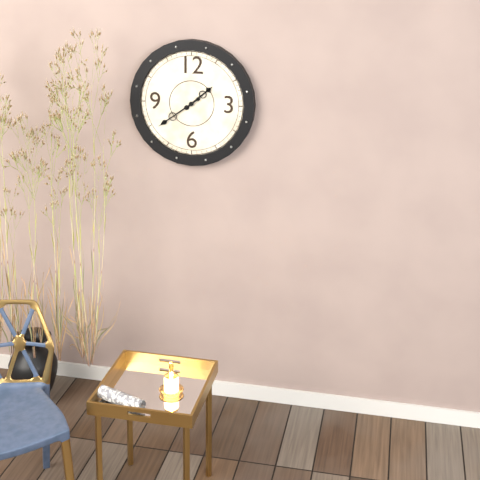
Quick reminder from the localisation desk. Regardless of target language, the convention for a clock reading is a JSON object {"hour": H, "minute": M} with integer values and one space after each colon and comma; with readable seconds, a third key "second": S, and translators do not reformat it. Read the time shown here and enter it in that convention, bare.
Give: {"hour": 1, "minute": 39}
